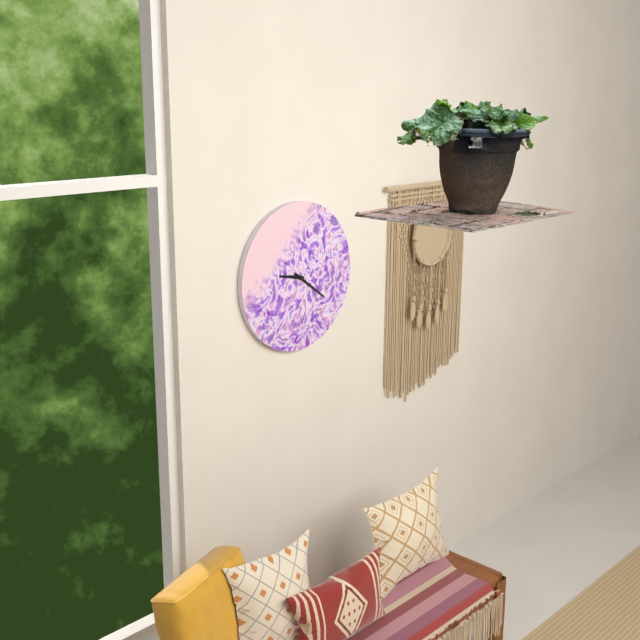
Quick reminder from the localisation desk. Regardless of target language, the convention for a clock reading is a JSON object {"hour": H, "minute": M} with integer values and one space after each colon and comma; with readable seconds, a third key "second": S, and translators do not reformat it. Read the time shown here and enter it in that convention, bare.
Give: {"hour": 9, "minute": 21}
